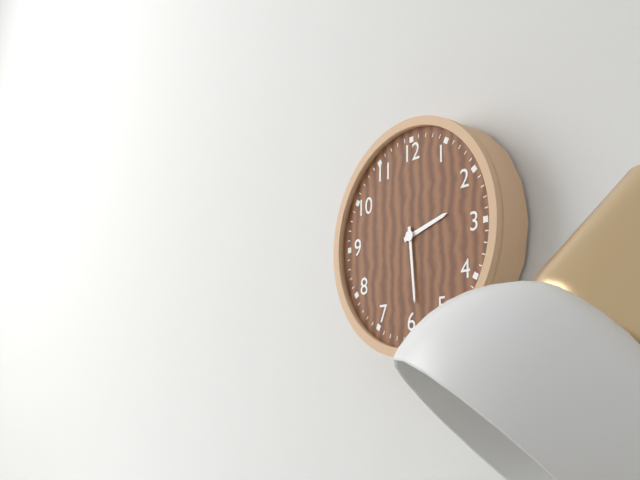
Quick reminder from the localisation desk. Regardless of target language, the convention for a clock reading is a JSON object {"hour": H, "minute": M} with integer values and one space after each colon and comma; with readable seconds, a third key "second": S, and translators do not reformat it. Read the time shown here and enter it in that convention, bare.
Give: {"hour": 2, "minute": 29}
